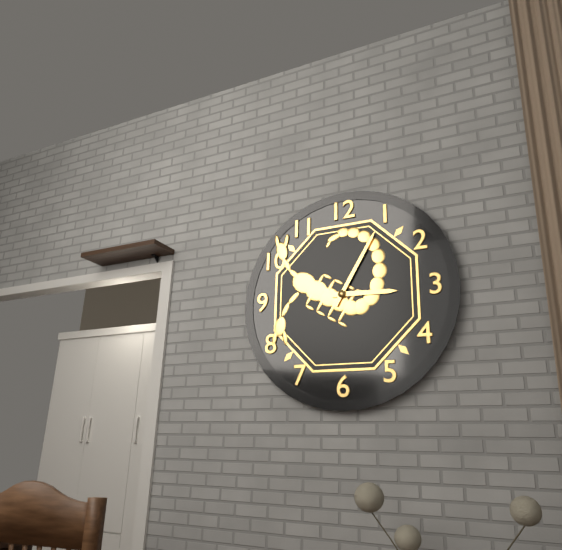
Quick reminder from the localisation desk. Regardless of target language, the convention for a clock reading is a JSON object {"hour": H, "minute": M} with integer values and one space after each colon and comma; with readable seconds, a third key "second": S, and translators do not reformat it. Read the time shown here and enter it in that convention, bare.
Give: {"hour": 3, "minute": 5}
